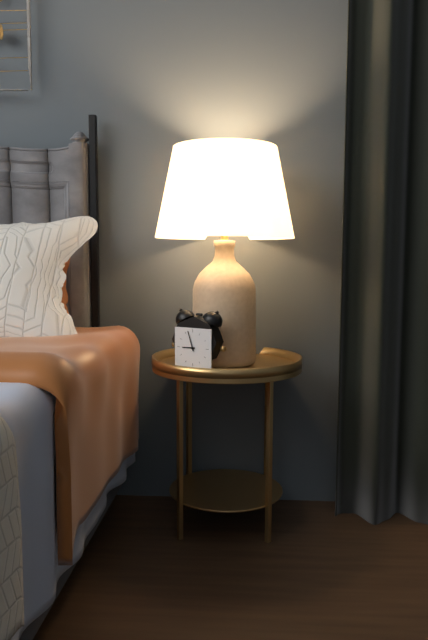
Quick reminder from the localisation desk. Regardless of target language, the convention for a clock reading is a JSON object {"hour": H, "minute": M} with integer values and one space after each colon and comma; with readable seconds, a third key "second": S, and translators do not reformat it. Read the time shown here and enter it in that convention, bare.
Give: {"hour": 8, "minute": 57}
